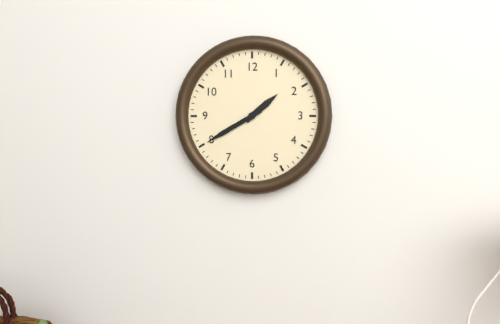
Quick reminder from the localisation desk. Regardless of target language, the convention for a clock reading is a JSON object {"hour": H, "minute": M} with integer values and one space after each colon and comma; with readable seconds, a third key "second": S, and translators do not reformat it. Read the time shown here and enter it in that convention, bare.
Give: {"hour": 1, "minute": 40}
